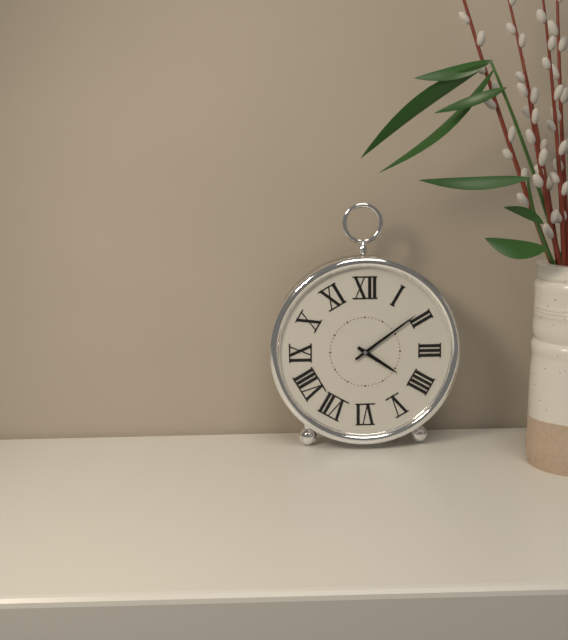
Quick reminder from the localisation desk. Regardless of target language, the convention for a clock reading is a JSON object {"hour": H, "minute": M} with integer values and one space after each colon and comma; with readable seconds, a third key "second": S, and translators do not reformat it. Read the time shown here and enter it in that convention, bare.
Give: {"hour": 4, "minute": 9}
